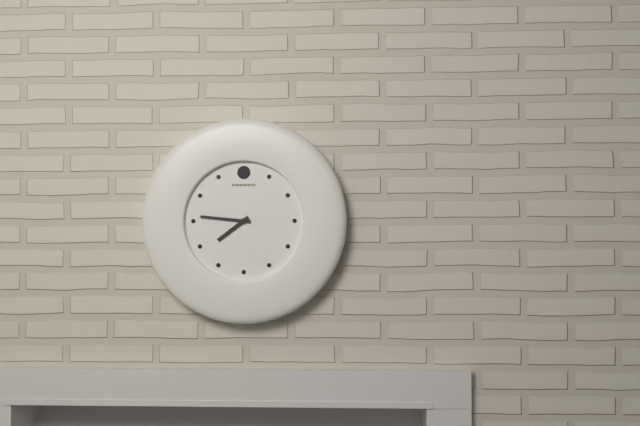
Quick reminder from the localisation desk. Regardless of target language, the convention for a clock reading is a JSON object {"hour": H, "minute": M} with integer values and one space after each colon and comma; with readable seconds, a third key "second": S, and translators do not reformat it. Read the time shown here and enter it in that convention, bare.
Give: {"hour": 7, "minute": 46}
